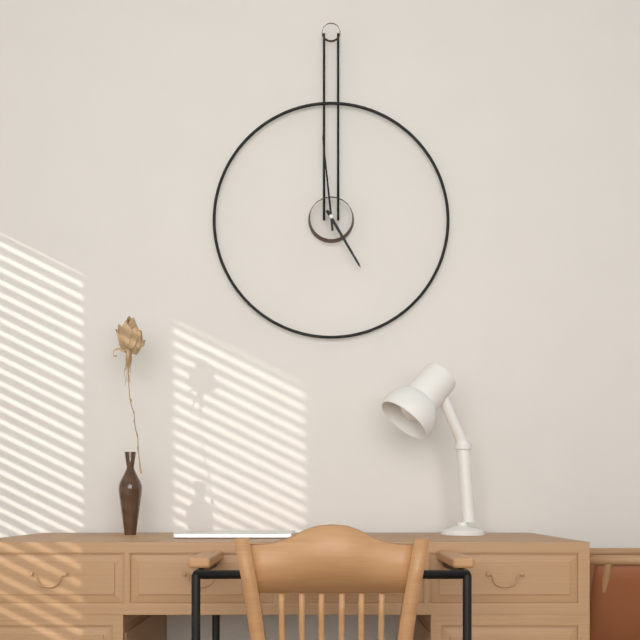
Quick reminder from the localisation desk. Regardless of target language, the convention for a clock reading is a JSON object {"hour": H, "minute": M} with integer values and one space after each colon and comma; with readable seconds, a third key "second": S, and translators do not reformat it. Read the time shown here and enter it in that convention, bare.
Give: {"hour": 4, "minute": 59}
